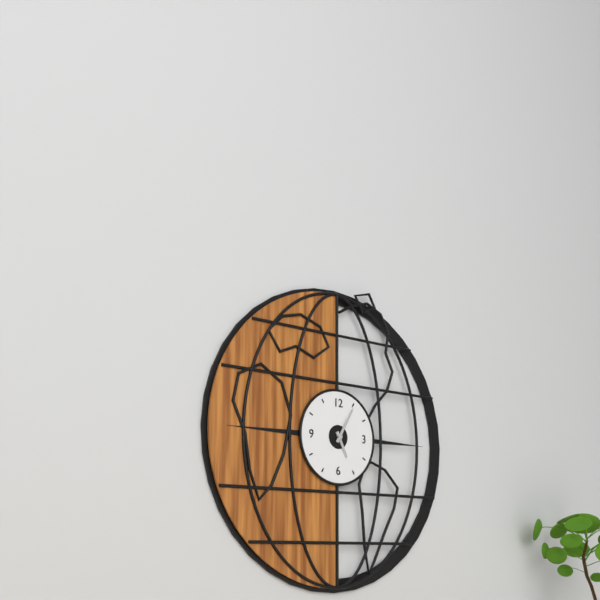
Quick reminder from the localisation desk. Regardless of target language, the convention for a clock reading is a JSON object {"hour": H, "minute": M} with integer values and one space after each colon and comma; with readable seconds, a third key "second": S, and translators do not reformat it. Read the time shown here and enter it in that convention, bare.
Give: {"hour": 5, "minute": 5}
